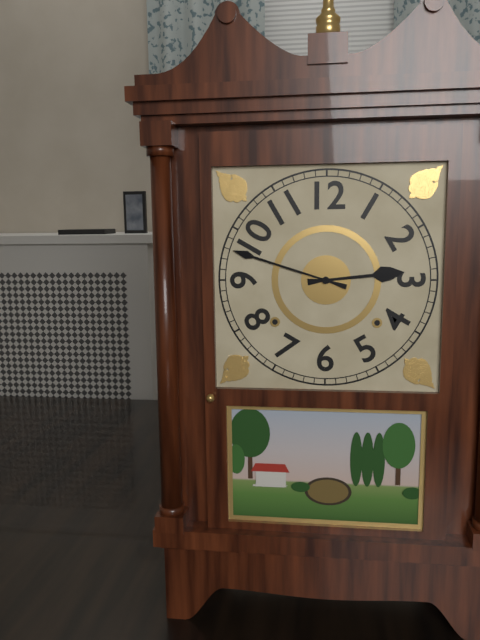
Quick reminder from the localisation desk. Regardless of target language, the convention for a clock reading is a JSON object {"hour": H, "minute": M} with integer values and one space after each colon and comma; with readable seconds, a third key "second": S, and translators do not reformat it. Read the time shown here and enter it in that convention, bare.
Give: {"hour": 2, "minute": 48}
